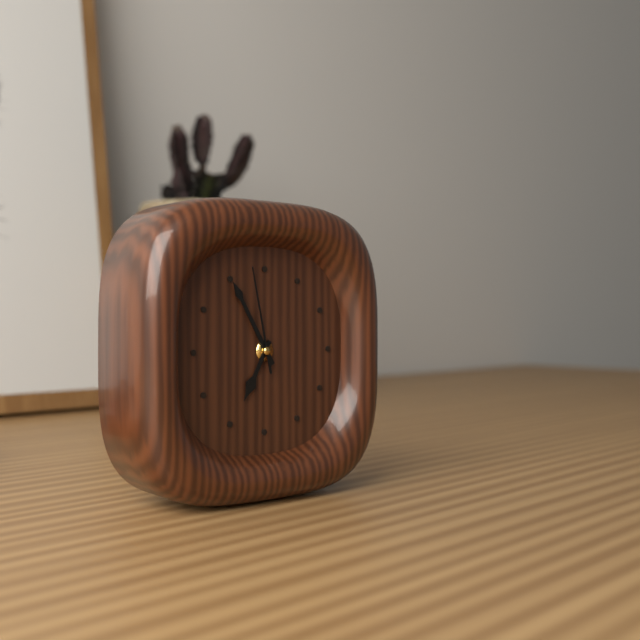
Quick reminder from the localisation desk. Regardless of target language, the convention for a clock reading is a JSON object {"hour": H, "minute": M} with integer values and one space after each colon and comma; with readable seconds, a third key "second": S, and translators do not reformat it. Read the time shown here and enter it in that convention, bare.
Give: {"hour": 6, "minute": 55, "second": 58}
